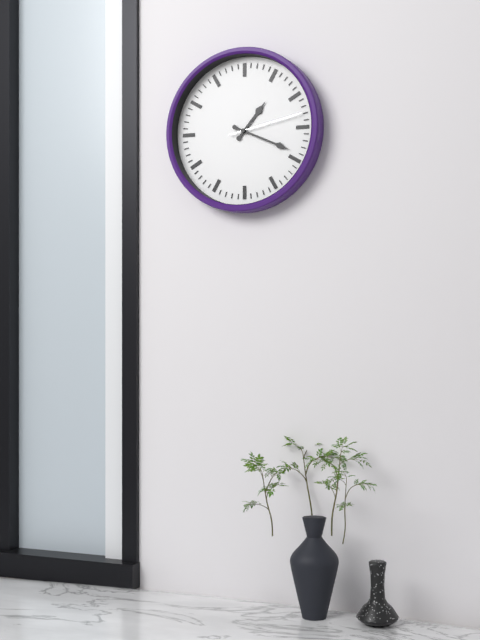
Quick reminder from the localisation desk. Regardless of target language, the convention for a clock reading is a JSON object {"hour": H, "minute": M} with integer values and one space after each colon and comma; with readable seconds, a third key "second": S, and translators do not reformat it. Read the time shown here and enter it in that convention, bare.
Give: {"hour": 1, "minute": 19, "second": 13}
